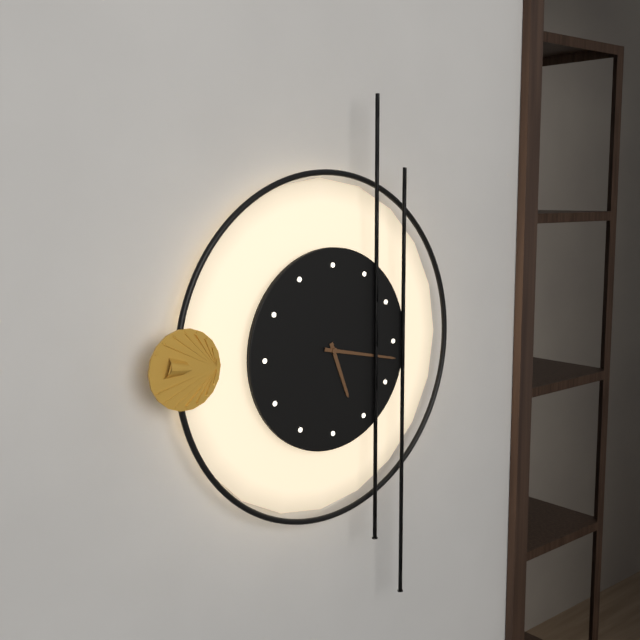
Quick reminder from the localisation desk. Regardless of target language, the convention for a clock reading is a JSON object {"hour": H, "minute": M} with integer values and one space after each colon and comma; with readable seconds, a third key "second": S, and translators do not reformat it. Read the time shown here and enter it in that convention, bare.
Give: {"hour": 5, "minute": 17}
